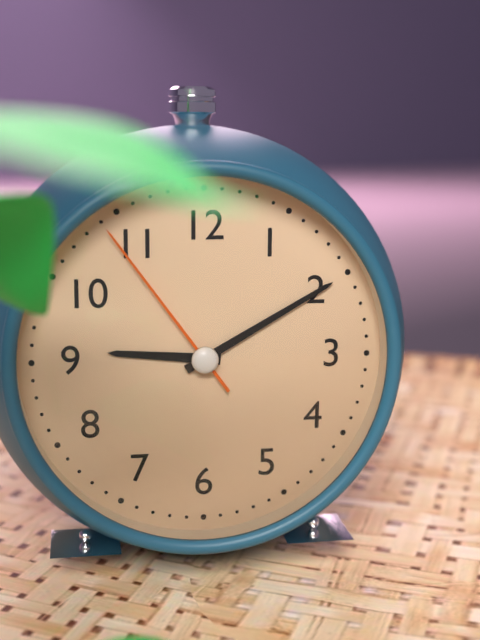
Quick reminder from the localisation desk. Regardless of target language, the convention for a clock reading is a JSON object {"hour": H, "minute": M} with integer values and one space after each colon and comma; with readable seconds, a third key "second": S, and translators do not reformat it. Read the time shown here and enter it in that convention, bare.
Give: {"hour": 9, "minute": 10, "second": 54}
